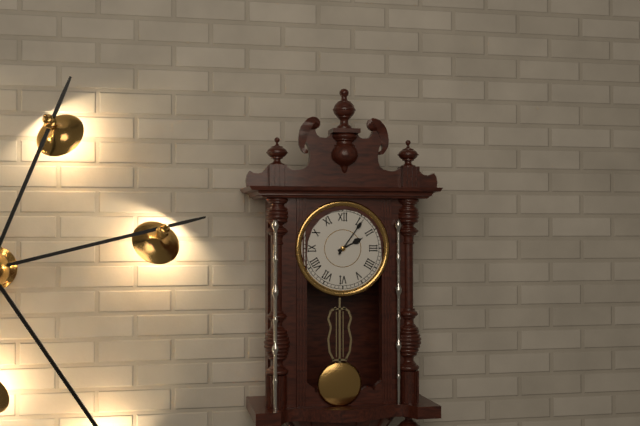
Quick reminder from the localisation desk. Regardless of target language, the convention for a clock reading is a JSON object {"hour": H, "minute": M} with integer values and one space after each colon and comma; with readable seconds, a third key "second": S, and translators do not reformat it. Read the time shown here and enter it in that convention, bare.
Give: {"hour": 2, "minute": 6}
